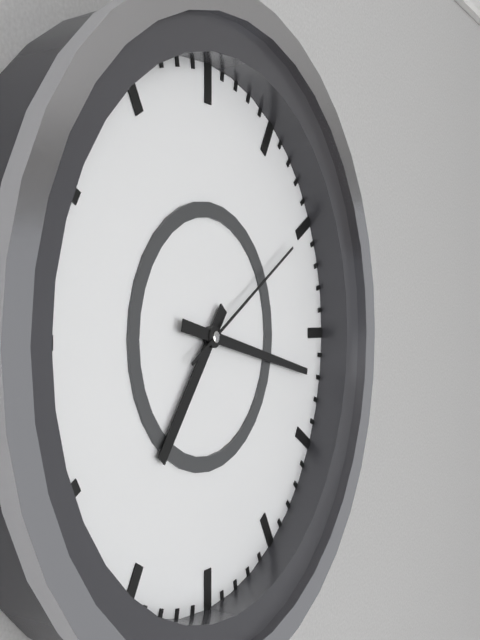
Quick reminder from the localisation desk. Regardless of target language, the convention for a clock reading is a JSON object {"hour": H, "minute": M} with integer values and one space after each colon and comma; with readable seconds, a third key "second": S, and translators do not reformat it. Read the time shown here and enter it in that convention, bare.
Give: {"hour": 7, "minute": 17, "second": 10}
